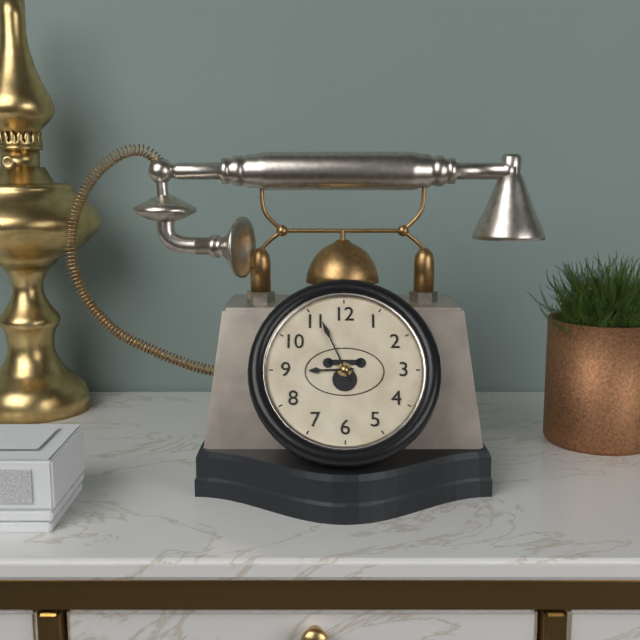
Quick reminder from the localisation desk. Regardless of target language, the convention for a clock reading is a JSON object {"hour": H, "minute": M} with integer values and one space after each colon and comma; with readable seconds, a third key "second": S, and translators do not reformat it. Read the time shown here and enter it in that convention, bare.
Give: {"hour": 8, "minute": 56}
